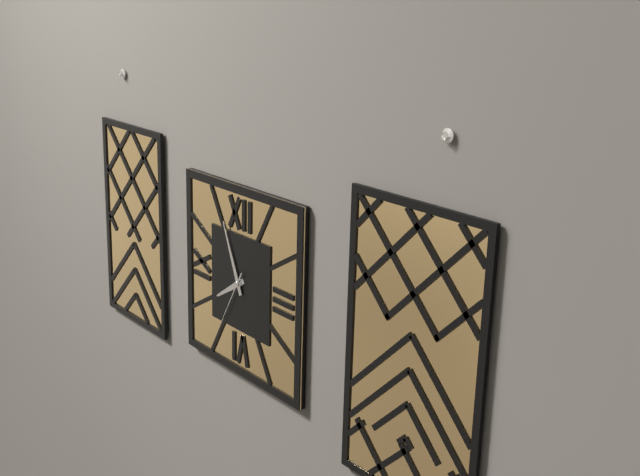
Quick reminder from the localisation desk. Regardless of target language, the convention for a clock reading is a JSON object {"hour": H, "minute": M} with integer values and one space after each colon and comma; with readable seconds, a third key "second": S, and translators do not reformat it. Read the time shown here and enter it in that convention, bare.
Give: {"hour": 7, "minute": 56, "second": 35}
